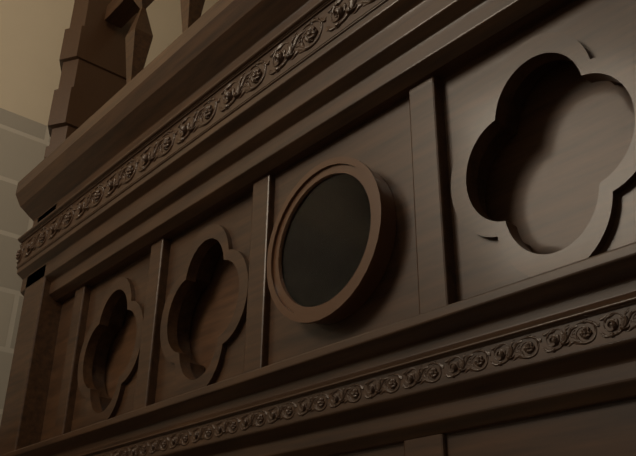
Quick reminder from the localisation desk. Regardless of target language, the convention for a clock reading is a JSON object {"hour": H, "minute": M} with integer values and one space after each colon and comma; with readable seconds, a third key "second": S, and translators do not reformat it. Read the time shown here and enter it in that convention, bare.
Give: {"hour": 4, "minute": 58}
